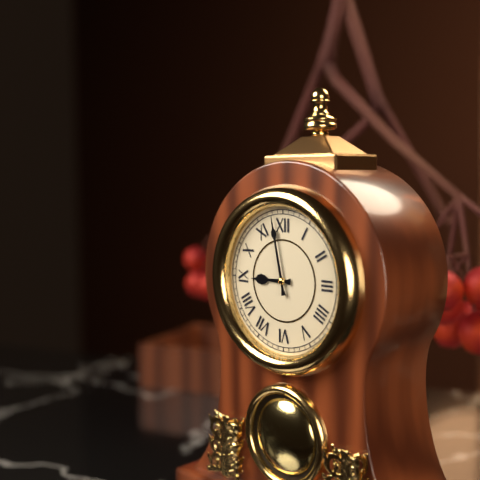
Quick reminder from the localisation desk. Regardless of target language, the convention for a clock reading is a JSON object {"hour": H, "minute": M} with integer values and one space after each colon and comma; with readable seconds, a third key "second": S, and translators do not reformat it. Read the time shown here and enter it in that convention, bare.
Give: {"hour": 8, "minute": 58}
